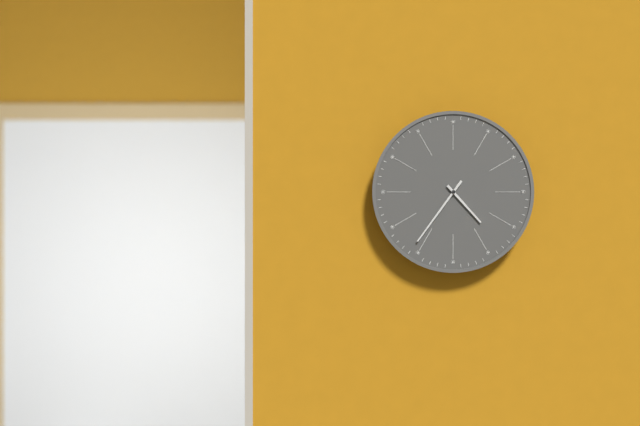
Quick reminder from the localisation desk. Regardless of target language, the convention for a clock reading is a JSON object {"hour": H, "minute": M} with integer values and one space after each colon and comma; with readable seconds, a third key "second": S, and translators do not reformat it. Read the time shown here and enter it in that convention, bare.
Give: {"hour": 4, "minute": 36}
